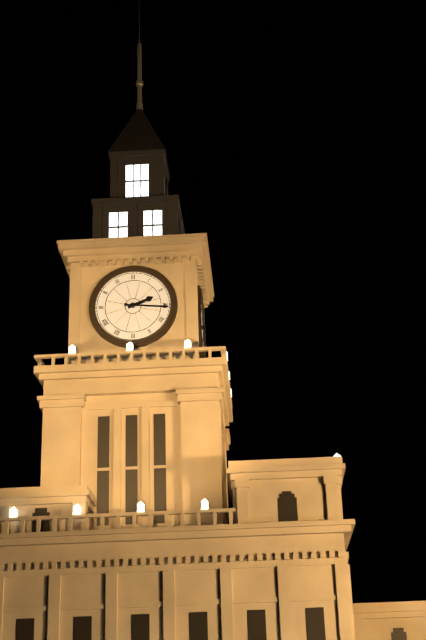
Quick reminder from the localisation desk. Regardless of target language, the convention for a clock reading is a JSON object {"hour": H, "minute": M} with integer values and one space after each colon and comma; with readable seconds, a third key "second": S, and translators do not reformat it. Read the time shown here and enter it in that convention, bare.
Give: {"hour": 2, "minute": 16}
